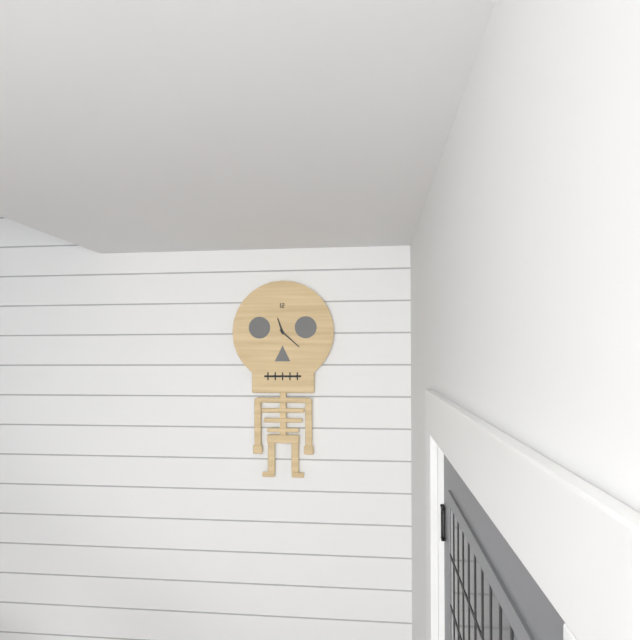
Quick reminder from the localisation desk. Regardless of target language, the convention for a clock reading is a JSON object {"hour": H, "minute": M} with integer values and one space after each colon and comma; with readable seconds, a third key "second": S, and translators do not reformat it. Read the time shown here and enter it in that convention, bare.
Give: {"hour": 11, "minute": 22}
